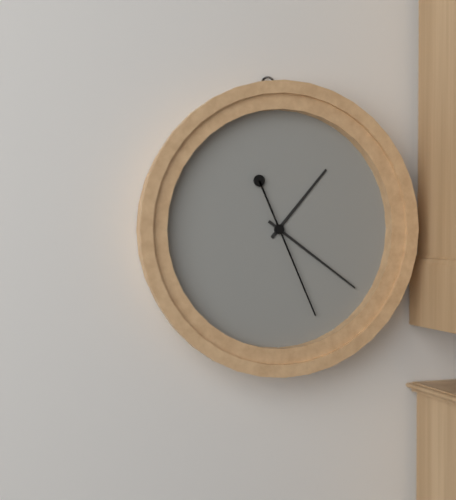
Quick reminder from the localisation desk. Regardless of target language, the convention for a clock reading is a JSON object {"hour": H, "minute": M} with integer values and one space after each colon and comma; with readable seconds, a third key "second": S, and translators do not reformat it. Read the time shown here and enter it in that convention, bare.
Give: {"hour": 1, "minute": 21, "second": 26}
